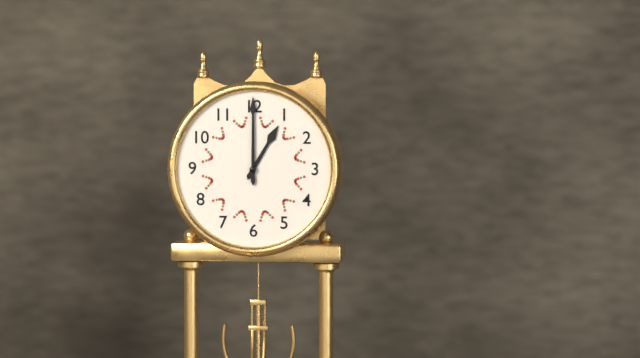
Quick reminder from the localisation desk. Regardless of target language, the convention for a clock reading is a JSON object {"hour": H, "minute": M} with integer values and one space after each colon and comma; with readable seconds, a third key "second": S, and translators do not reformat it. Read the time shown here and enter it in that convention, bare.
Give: {"hour": 1, "minute": 0}
